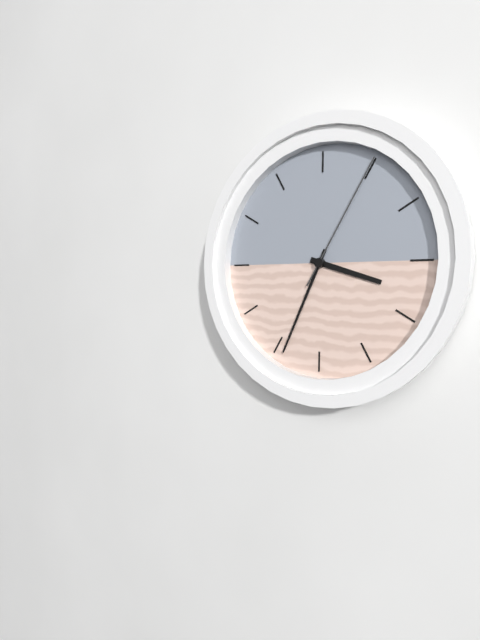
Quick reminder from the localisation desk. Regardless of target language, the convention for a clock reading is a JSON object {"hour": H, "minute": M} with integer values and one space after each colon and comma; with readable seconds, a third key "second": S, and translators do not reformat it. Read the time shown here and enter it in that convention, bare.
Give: {"hour": 3, "minute": 34, "second": 5}
